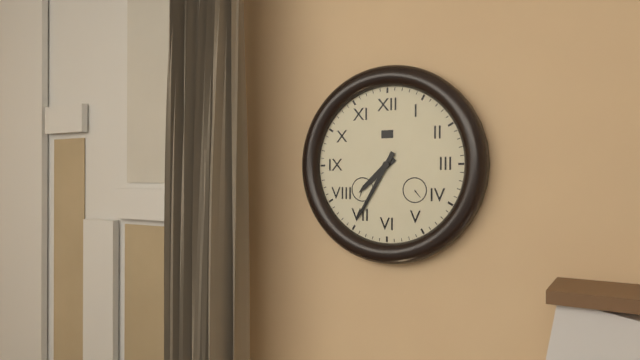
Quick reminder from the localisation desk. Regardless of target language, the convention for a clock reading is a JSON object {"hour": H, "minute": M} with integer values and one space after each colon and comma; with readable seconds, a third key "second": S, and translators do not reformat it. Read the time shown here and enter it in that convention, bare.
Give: {"hour": 7, "minute": 35}
